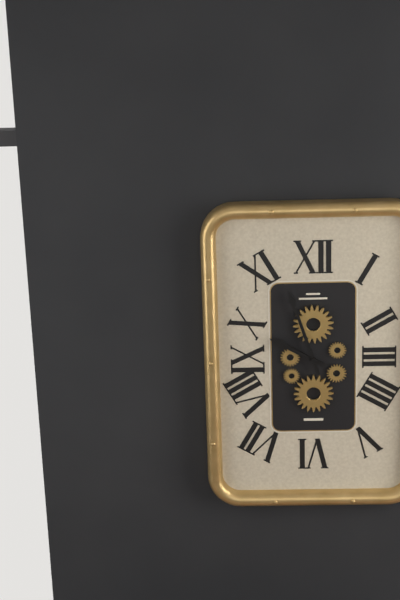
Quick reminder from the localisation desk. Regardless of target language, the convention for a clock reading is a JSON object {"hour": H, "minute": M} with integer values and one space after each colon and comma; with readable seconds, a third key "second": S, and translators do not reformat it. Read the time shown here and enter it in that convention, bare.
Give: {"hour": 9, "minute": 57}
